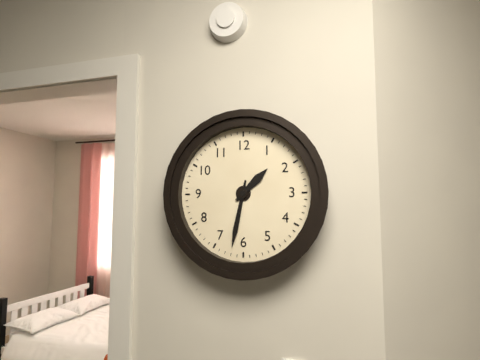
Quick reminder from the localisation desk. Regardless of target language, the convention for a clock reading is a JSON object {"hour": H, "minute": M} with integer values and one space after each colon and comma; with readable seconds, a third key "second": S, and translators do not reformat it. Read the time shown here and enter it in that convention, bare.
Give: {"hour": 1, "minute": 32}
